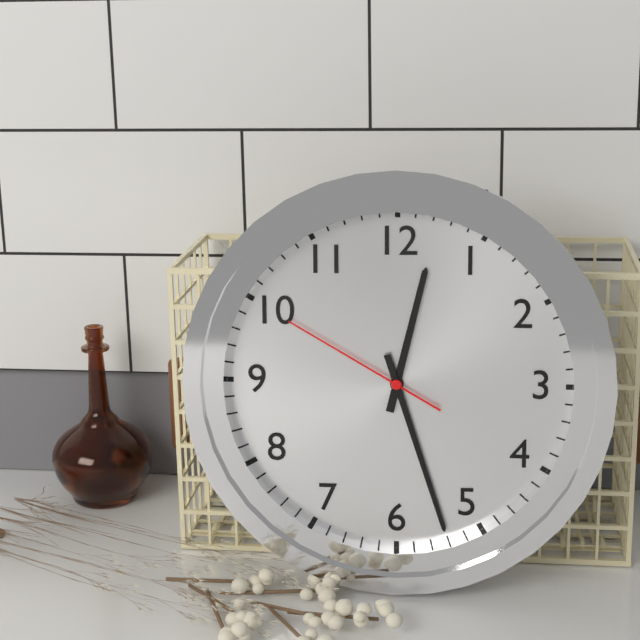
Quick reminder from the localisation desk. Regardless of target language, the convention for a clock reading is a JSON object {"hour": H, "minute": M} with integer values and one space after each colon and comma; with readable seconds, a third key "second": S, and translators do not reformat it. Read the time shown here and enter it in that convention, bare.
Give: {"hour": 12, "minute": 27, "second": 50}
